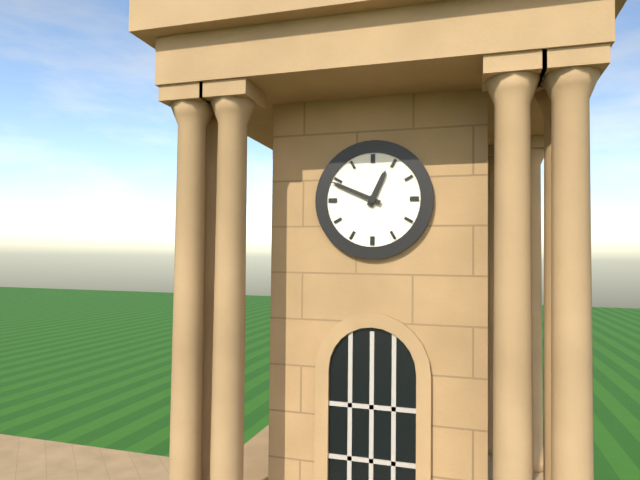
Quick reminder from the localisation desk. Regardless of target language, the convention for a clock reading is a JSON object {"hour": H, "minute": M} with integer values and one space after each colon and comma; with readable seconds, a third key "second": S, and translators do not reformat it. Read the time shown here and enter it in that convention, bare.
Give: {"hour": 12, "minute": 49}
